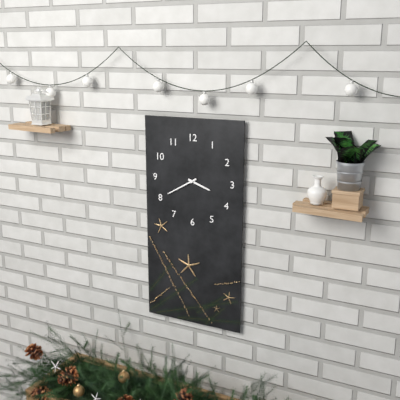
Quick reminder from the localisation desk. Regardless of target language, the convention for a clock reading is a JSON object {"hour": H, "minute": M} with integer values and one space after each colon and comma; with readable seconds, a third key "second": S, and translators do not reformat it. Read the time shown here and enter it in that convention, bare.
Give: {"hour": 3, "minute": 40}
